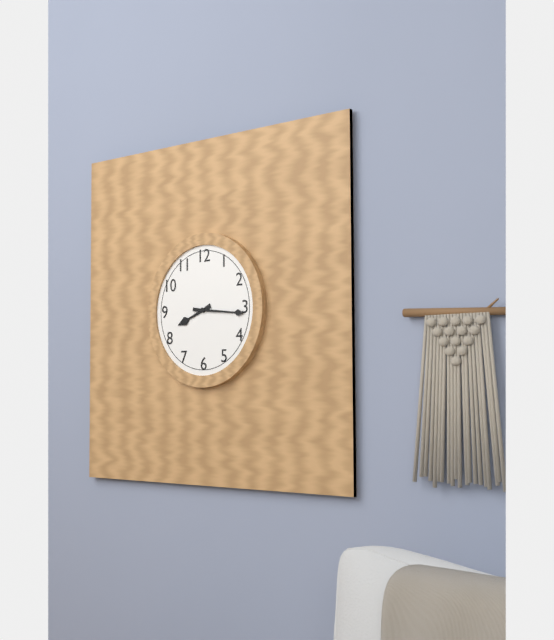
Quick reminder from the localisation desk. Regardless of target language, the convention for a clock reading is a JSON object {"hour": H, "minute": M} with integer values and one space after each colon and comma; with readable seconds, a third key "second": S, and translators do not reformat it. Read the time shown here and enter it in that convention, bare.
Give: {"hour": 8, "minute": 16}
